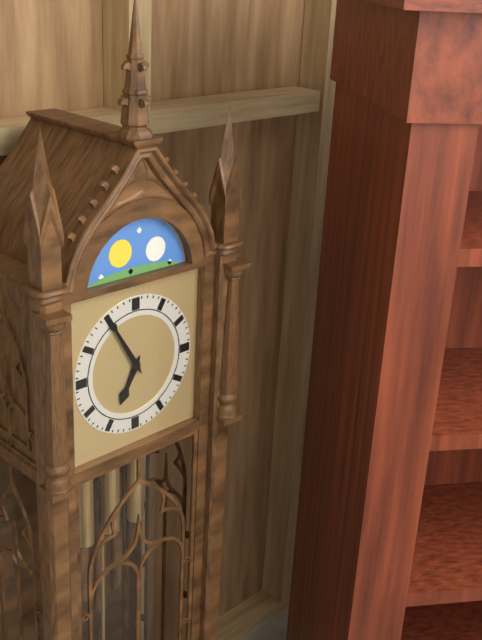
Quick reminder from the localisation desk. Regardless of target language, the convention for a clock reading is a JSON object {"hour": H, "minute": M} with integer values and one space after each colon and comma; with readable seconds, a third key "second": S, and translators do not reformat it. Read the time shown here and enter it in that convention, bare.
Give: {"hour": 6, "minute": 55}
